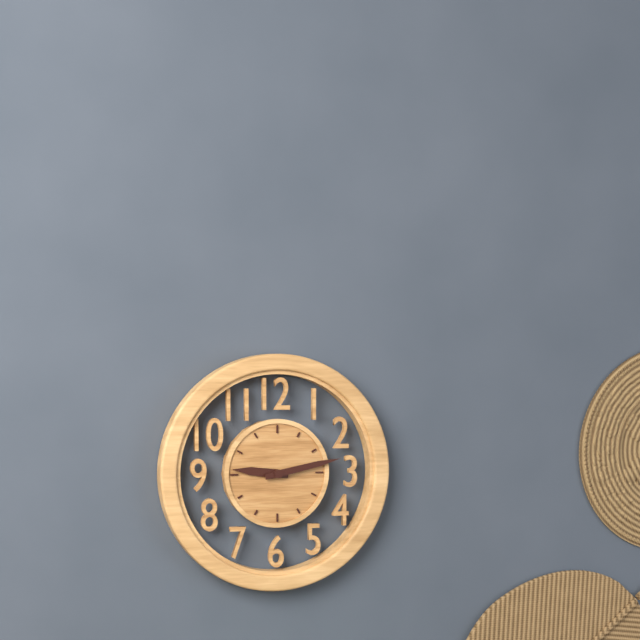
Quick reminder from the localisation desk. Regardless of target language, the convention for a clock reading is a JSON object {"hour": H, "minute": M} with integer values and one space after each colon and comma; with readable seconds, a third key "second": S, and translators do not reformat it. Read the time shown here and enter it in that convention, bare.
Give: {"hour": 9, "minute": 13}
